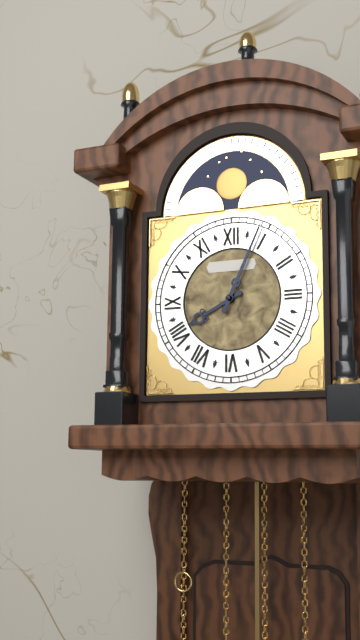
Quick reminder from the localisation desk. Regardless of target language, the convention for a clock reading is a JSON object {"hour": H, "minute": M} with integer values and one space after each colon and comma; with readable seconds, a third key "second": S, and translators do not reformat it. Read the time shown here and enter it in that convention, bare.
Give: {"hour": 8, "minute": 4}
